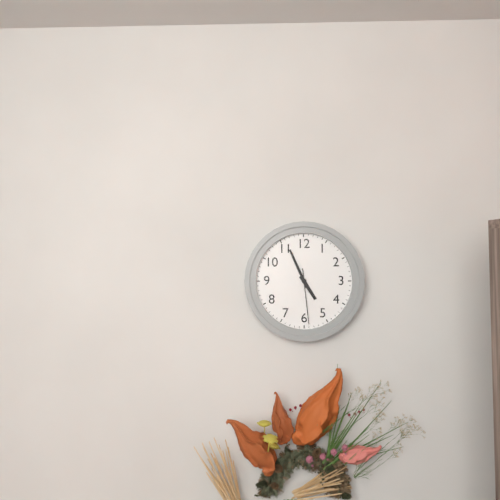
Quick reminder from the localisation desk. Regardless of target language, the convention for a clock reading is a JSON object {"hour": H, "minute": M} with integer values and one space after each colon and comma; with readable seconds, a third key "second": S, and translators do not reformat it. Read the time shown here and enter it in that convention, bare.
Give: {"hour": 4, "minute": 56, "second": 29}
